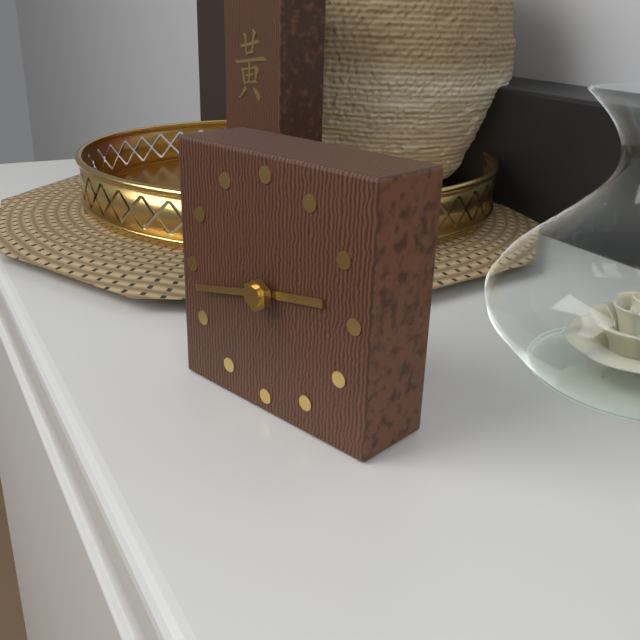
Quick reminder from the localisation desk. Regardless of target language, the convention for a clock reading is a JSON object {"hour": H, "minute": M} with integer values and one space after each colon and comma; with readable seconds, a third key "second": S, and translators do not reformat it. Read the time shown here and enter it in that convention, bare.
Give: {"hour": 2, "minute": 43}
